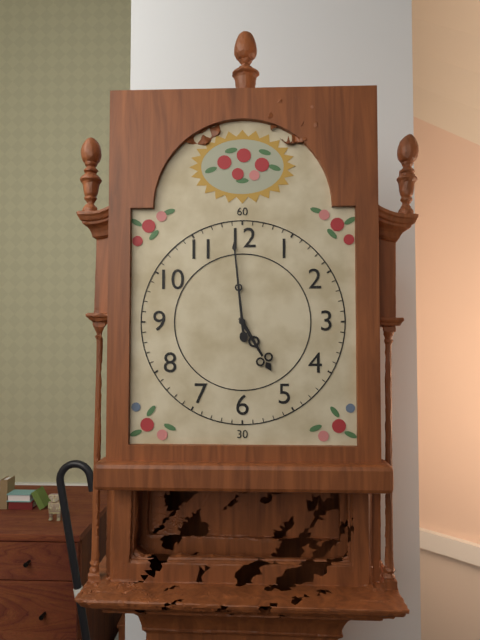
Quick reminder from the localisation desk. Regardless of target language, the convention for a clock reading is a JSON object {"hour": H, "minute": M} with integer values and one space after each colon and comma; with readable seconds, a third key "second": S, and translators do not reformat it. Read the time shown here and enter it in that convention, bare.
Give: {"hour": 4, "minute": 59}
